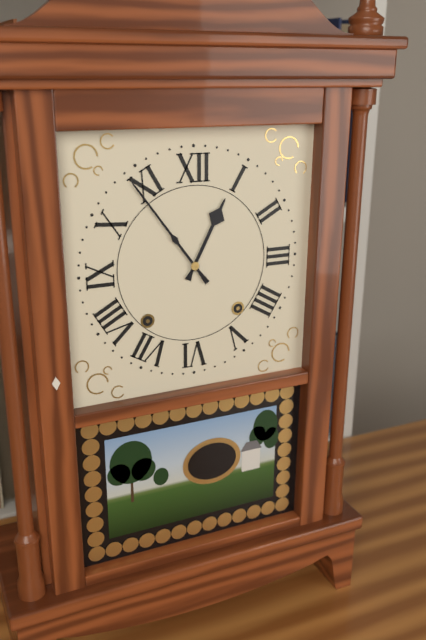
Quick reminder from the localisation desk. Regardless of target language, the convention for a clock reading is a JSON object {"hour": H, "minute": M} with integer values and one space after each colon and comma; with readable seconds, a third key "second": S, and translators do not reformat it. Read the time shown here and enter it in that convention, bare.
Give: {"hour": 12, "minute": 54}
